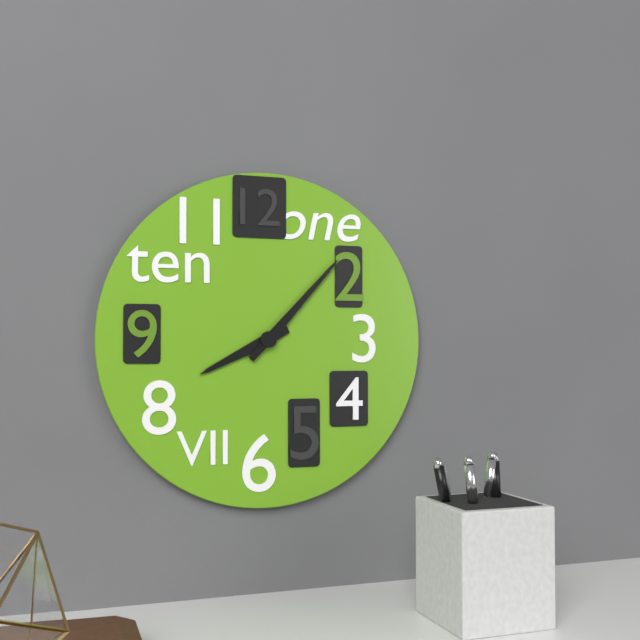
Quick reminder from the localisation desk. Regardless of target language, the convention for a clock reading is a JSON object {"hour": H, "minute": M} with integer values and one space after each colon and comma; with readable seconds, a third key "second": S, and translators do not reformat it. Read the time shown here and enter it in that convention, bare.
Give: {"hour": 8, "minute": 7}
